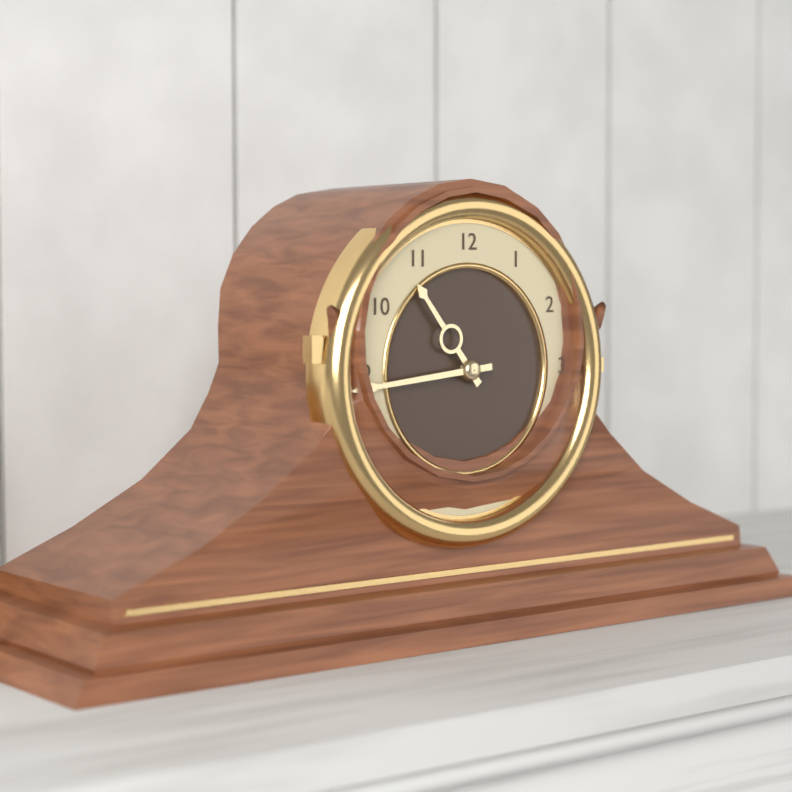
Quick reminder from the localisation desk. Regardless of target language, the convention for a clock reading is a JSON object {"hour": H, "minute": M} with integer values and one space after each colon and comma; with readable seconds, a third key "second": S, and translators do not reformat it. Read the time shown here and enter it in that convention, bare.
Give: {"hour": 10, "minute": 44}
